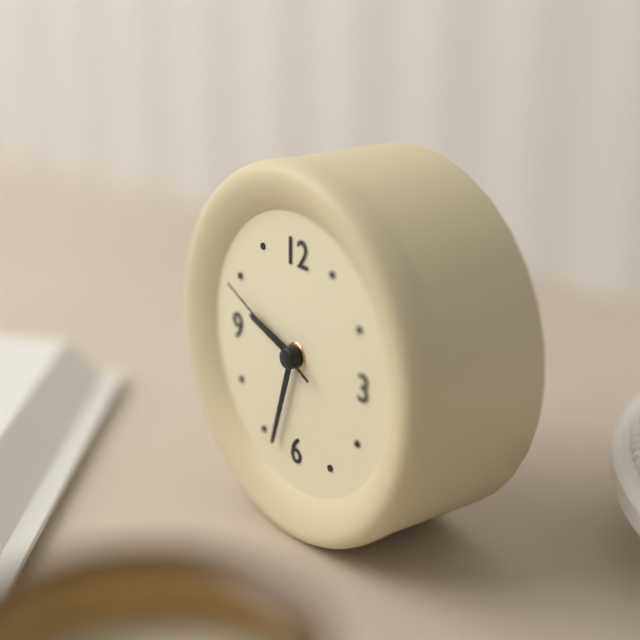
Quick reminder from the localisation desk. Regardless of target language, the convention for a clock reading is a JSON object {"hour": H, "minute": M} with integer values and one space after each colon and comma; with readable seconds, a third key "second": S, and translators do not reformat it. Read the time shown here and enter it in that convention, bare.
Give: {"hour": 9, "minute": 33, "second": 49}
